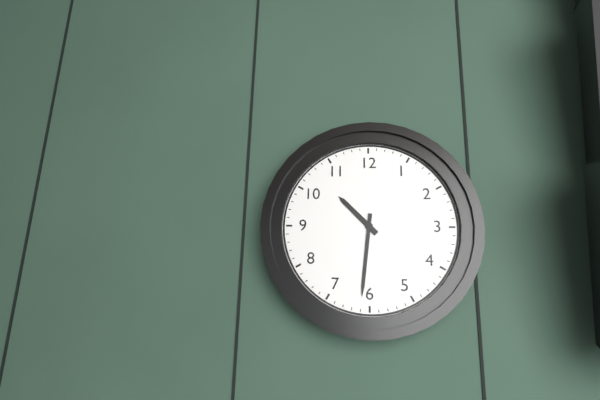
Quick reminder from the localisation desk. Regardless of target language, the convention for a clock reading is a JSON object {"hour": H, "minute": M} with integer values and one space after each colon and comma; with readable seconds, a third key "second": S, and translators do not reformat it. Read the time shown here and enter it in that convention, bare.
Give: {"hour": 10, "minute": 31}
